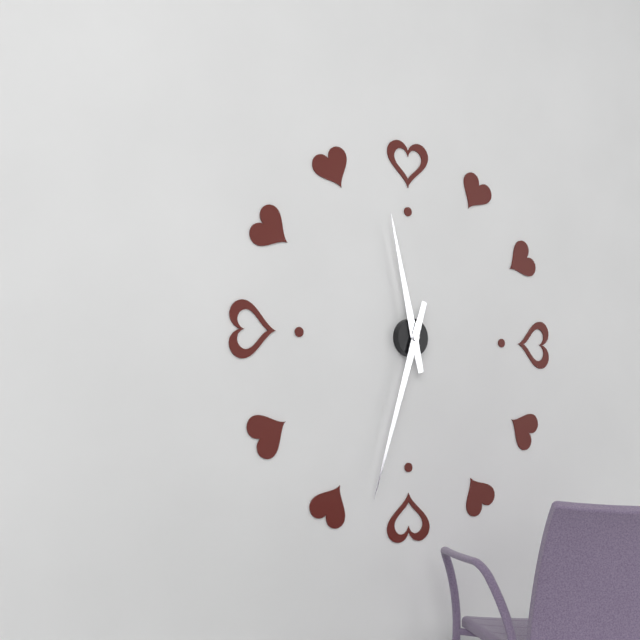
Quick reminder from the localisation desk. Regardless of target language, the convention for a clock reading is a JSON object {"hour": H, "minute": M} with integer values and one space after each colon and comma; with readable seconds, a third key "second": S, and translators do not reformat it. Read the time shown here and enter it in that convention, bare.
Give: {"hour": 11, "minute": 33}
